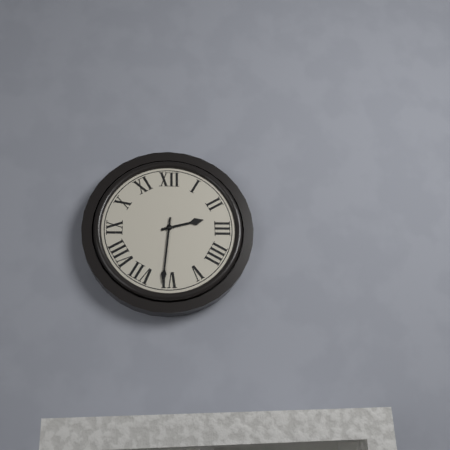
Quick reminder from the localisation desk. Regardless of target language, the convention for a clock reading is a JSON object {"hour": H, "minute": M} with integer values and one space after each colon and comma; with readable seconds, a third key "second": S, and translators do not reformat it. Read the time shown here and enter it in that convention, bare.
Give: {"hour": 2, "minute": 31}
